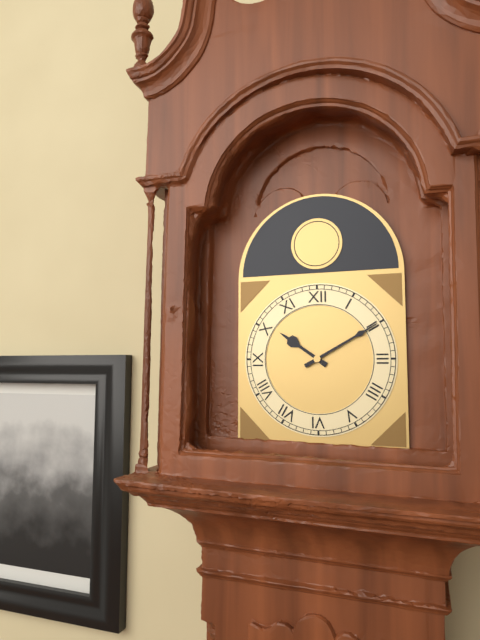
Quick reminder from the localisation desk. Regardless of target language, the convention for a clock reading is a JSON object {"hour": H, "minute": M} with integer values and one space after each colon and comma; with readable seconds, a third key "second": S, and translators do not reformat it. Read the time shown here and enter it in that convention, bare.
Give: {"hour": 10, "minute": 10}
